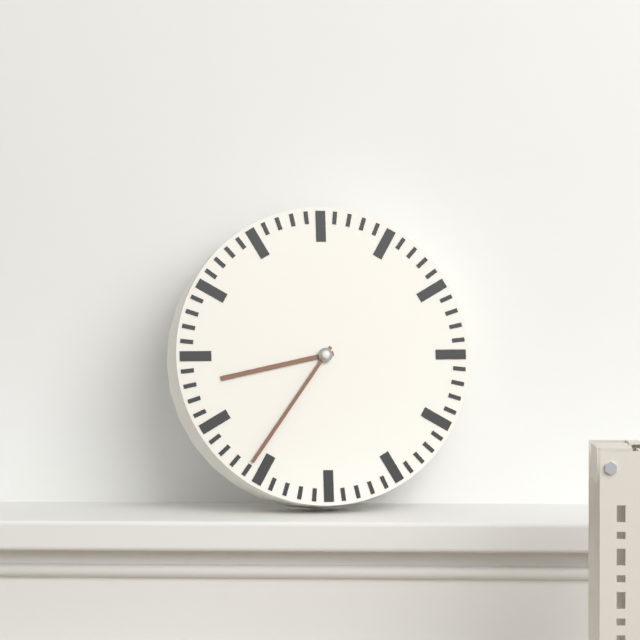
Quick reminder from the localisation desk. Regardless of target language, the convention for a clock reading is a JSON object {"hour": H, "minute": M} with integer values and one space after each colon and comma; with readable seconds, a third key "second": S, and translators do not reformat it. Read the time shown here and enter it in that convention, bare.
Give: {"hour": 8, "minute": 36}
